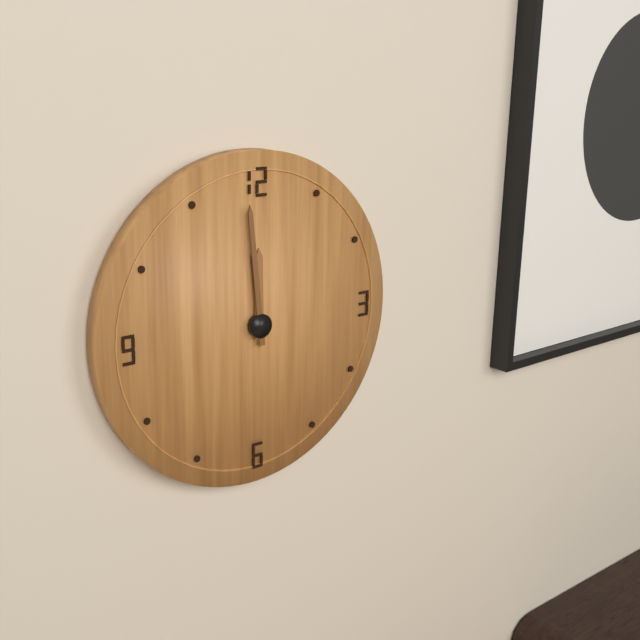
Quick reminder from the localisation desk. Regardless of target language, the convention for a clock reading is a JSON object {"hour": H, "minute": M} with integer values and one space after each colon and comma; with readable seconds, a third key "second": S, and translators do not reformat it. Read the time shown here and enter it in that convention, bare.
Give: {"hour": 11, "minute": 59}
